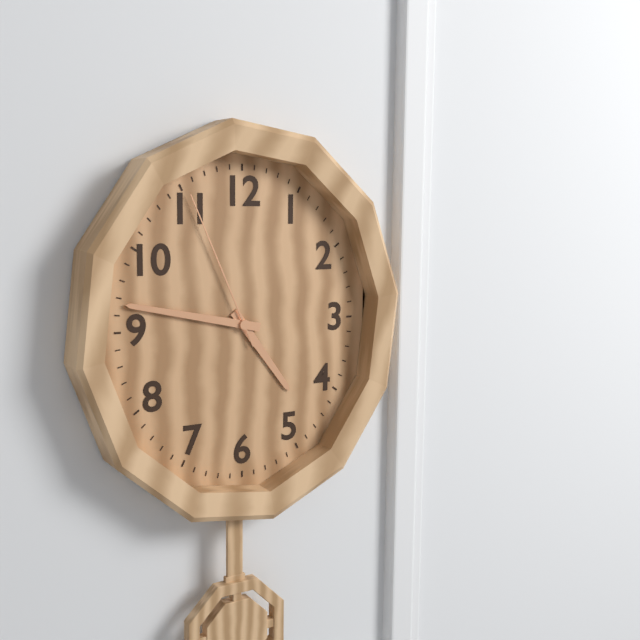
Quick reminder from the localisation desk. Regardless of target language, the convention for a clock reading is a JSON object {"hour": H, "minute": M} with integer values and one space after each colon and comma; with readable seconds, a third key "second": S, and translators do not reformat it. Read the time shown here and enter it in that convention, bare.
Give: {"hour": 4, "minute": 47, "second": 56}
